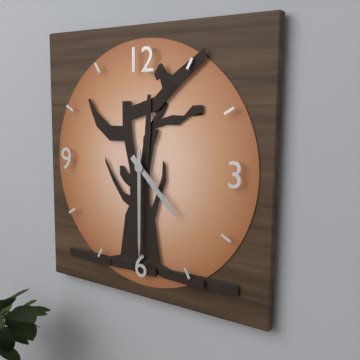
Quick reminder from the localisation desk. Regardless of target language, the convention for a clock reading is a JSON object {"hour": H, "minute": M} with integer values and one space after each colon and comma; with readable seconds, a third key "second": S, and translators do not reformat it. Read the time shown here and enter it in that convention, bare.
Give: {"hour": 4, "minute": 30}
